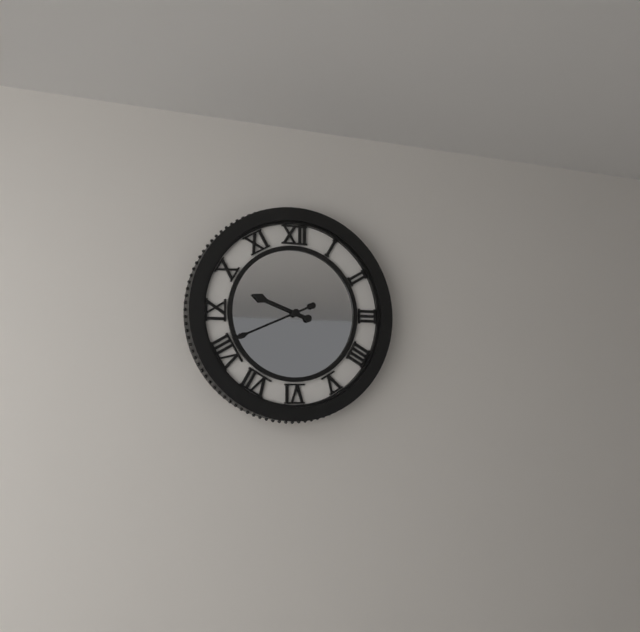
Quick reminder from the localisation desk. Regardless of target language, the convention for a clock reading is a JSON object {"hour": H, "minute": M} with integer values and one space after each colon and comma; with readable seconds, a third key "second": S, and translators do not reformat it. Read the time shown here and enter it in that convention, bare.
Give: {"hour": 9, "minute": 41}
